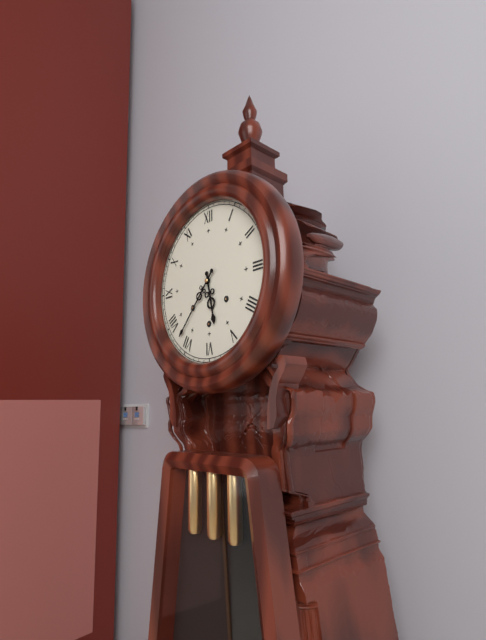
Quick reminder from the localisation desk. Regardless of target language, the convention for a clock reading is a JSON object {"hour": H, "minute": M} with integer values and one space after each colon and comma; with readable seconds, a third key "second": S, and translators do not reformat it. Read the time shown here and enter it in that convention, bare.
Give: {"hour": 5, "minute": 37}
